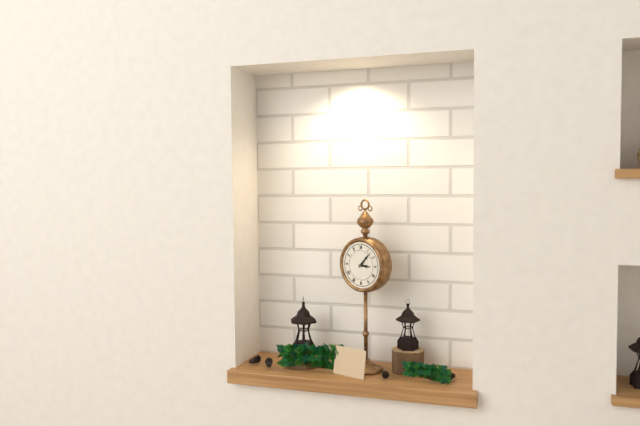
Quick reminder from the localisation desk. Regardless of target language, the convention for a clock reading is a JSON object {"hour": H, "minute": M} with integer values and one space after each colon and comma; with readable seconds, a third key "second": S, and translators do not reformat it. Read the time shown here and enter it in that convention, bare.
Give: {"hour": 3, "minute": 7}
